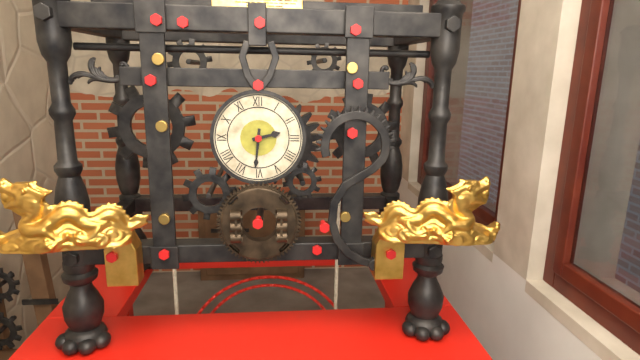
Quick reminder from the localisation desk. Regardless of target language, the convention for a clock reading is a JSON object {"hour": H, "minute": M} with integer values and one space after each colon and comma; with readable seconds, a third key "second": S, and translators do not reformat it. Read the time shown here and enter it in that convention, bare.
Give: {"hour": 2, "minute": 31}
